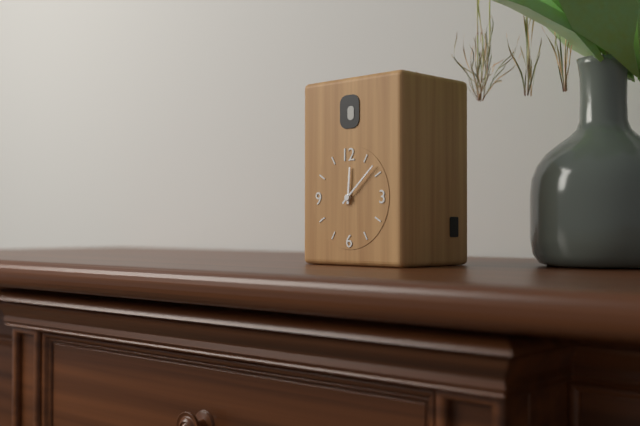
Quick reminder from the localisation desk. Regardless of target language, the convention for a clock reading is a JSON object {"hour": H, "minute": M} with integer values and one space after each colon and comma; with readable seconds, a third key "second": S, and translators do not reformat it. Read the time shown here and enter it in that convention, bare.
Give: {"hour": 12, "minute": 8}
